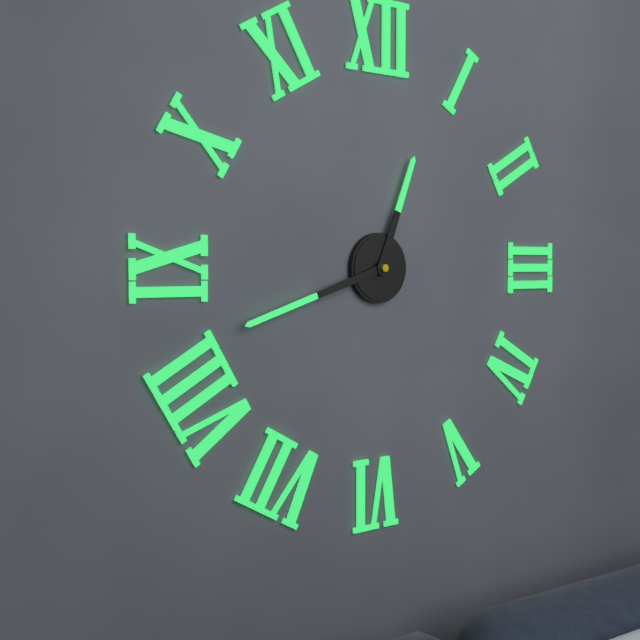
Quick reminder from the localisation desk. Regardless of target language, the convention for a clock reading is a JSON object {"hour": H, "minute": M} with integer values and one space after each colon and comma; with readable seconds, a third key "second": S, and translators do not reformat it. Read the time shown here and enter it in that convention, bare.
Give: {"hour": 12, "minute": 42}
